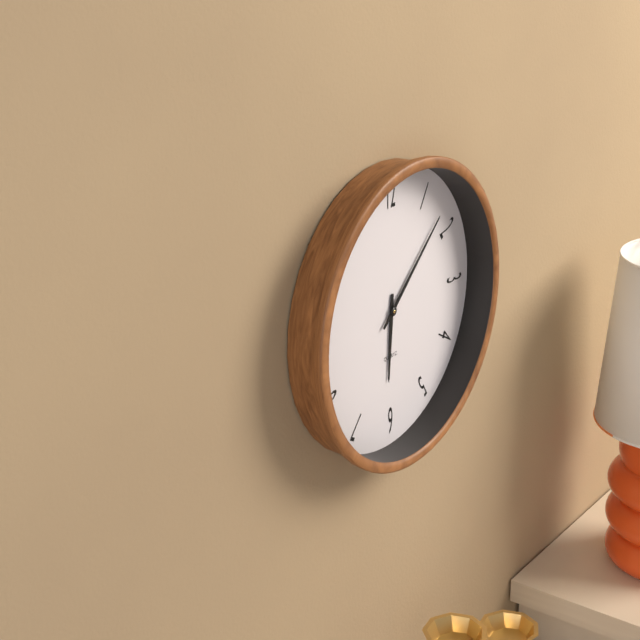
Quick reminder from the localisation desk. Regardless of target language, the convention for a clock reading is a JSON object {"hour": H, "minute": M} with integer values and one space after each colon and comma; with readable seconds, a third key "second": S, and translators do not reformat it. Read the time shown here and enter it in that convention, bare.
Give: {"hour": 6, "minute": 8}
